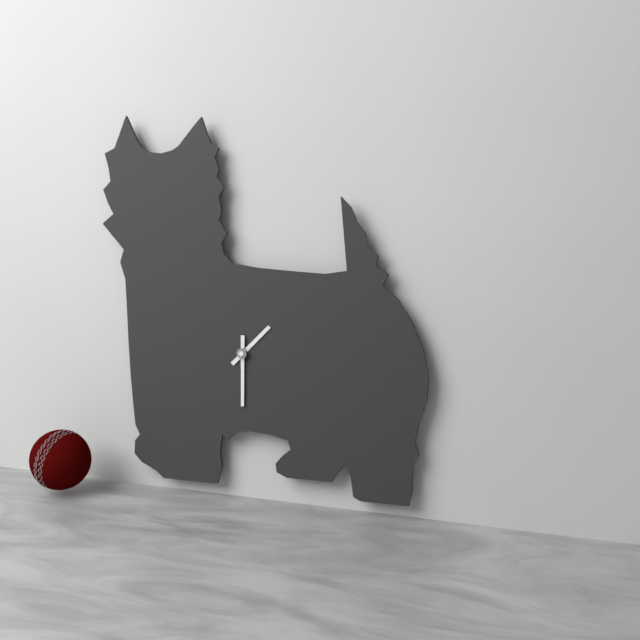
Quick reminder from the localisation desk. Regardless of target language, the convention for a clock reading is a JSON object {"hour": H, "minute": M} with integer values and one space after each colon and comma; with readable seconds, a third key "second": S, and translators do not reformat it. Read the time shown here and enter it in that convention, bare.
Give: {"hour": 1, "minute": 30}
